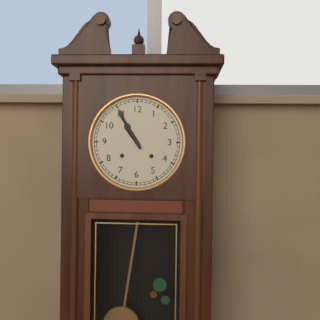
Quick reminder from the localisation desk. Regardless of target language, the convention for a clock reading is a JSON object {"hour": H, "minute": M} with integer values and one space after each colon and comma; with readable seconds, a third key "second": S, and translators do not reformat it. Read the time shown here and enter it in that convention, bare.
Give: {"hour": 10, "minute": 55}
